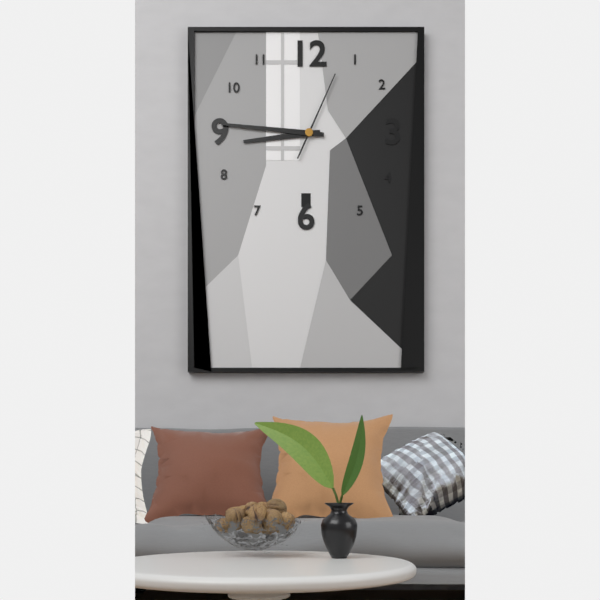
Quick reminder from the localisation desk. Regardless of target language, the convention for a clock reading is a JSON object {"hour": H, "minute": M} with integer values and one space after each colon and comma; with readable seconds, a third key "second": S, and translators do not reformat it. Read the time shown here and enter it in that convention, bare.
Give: {"hour": 8, "minute": 46, "second": 4}
